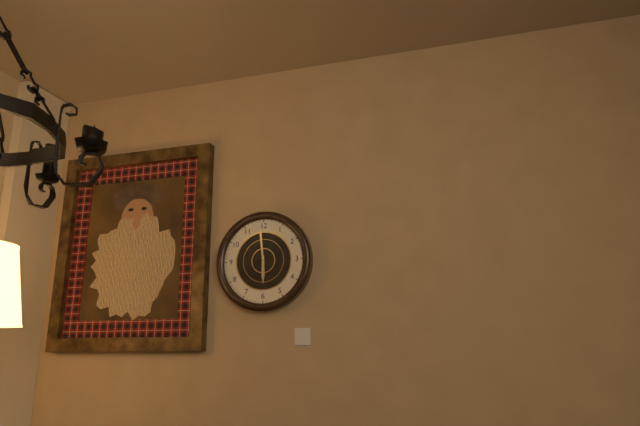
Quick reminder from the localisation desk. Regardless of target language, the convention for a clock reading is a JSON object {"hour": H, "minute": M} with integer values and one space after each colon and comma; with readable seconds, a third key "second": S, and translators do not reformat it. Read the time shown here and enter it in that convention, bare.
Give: {"hour": 5, "minute": 59}
